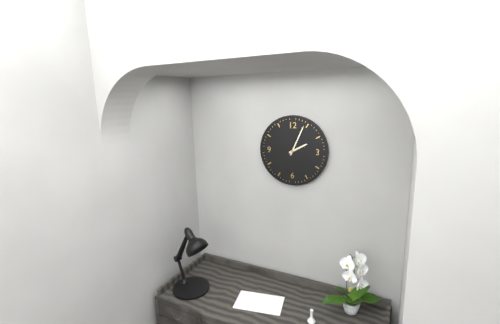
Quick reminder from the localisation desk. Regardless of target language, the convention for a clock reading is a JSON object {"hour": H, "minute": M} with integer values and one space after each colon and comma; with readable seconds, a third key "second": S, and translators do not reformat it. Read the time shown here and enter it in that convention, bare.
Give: {"hour": 2, "minute": 4}
